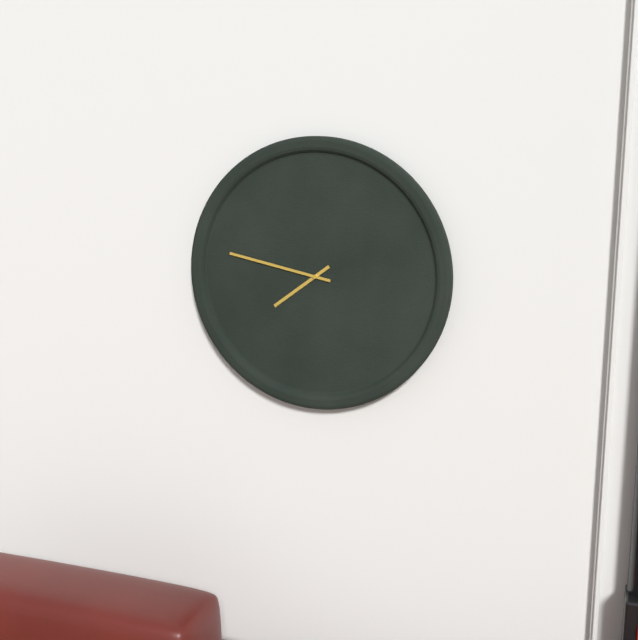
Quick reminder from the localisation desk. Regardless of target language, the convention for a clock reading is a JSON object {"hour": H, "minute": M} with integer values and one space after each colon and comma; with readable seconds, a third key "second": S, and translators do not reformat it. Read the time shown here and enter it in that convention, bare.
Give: {"hour": 7, "minute": 47}
